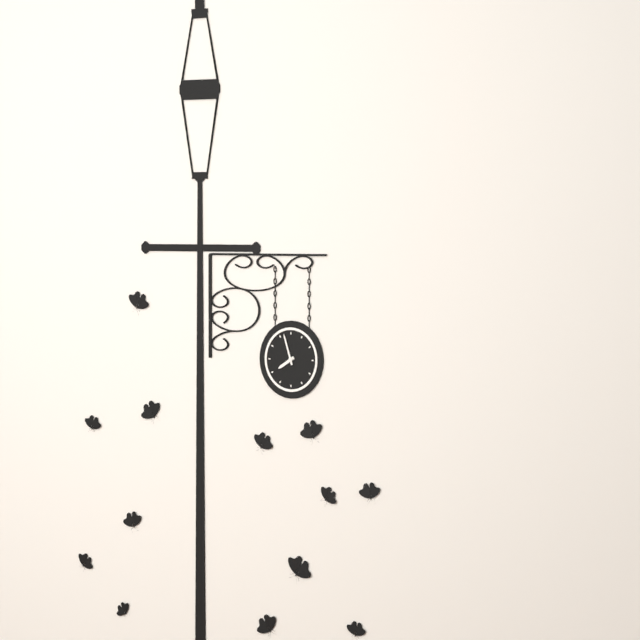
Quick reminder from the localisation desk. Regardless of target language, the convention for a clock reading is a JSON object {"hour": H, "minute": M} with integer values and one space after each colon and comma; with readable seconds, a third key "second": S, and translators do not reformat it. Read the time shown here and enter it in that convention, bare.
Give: {"hour": 7, "minute": 57}
